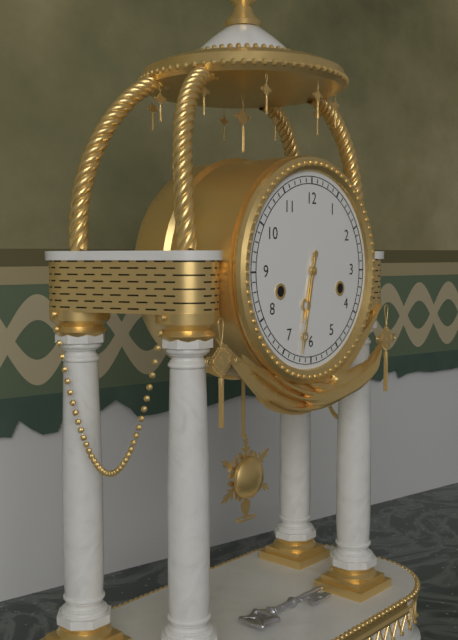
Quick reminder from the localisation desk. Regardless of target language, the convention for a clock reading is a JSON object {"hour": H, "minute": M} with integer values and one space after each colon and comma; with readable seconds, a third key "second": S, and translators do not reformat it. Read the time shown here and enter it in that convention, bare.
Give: {"hour": 6, "minute": 32}
